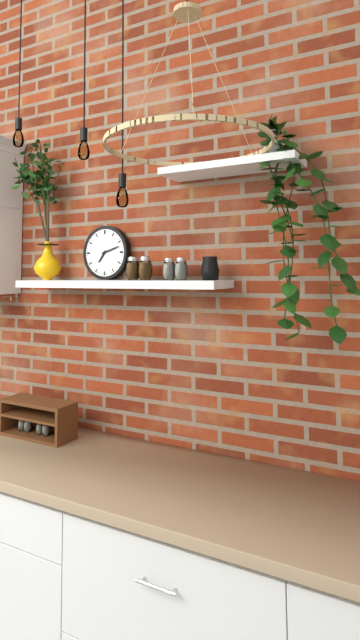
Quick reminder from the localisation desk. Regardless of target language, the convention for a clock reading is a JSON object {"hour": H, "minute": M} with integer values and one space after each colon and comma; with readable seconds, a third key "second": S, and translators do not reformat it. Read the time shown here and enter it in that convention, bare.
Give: {"hour": 7, "minute": 12}
